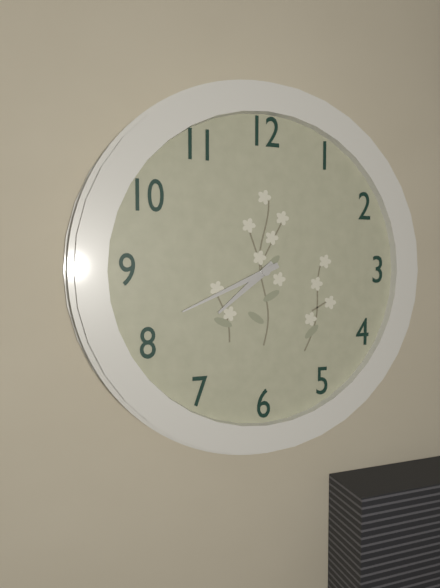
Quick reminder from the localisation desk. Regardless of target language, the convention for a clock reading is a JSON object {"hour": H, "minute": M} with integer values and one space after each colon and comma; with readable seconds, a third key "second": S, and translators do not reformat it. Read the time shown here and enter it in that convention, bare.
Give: {"hour": 7, "minute": 41}
